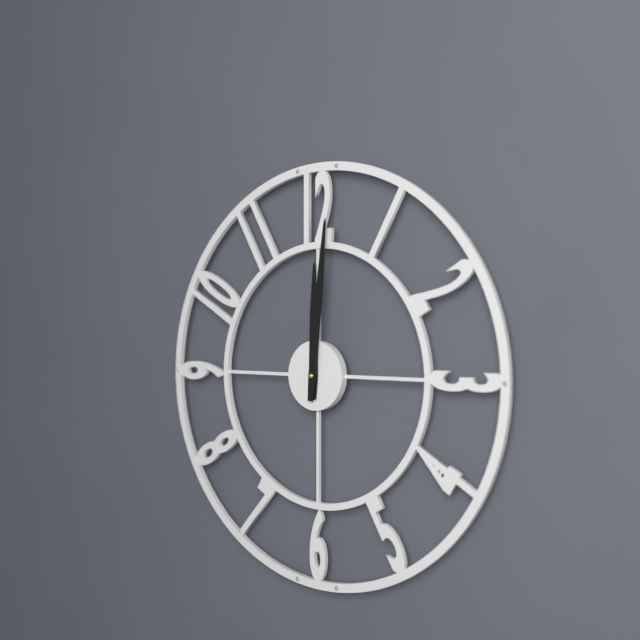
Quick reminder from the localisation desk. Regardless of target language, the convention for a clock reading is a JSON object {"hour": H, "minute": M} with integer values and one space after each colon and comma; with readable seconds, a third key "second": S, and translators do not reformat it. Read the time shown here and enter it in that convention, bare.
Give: {"hour": 12, "minute": 1}
